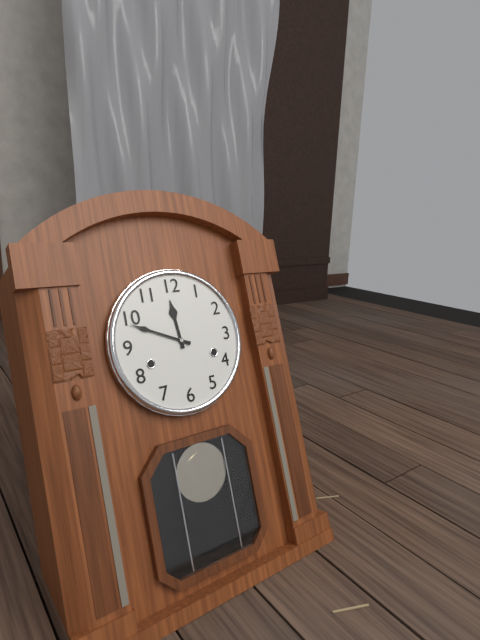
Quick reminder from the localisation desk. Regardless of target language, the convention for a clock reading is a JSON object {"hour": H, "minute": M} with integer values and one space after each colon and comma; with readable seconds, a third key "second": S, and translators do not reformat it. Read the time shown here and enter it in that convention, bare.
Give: {"hour": 11, "minute": 49}
